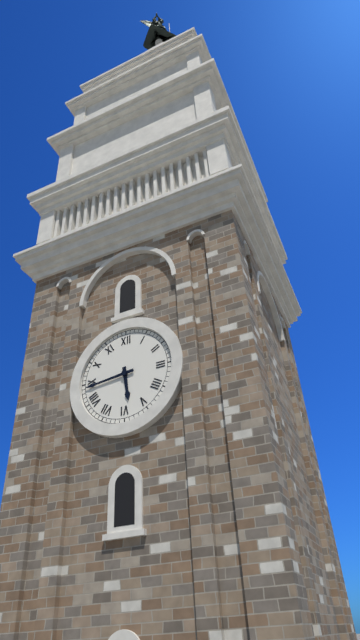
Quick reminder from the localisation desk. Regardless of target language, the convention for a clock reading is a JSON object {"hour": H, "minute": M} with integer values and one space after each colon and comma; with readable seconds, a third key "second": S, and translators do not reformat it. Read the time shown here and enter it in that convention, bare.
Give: {"hour": 5, "minute": 44}
